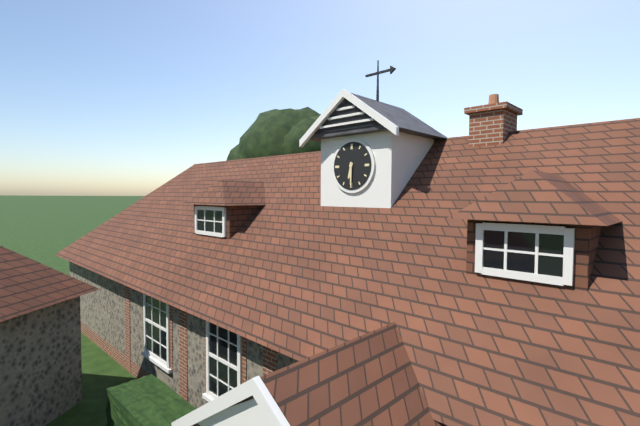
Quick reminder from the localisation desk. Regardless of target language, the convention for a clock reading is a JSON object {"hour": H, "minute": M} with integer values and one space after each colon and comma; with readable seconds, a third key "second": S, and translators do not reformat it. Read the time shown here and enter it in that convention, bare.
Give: {"hour": 6, "minute": 30}
